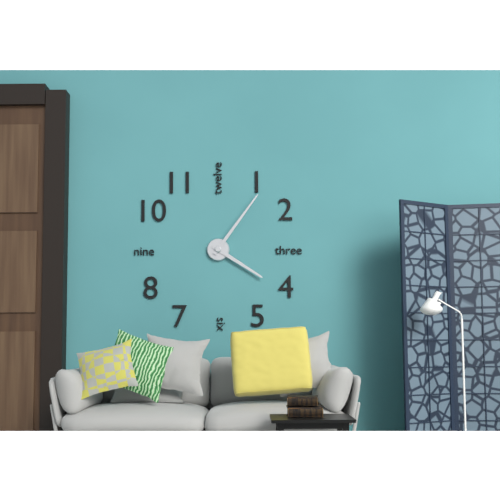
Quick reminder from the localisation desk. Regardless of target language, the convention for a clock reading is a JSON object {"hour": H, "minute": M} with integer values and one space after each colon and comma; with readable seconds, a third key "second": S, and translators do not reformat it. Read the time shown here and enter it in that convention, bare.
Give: {"hour": 4, "minute": 6}
